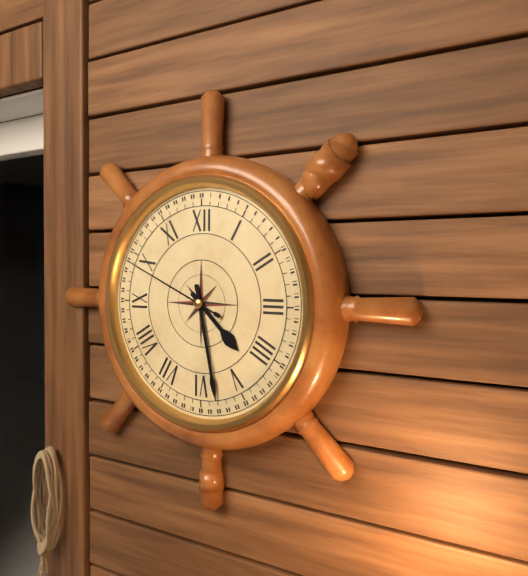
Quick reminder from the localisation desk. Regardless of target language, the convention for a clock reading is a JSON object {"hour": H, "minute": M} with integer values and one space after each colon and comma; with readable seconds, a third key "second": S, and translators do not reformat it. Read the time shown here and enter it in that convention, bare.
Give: {"hour": 4, "minute": 28, "second": 49}
